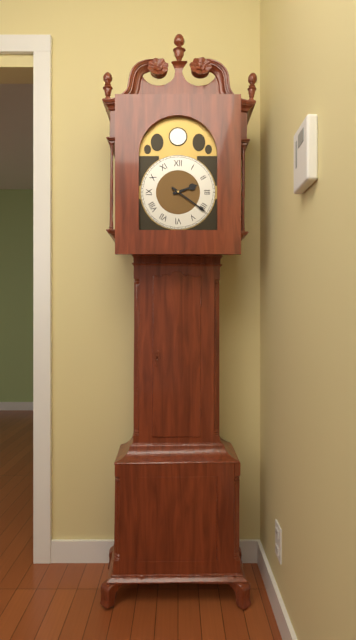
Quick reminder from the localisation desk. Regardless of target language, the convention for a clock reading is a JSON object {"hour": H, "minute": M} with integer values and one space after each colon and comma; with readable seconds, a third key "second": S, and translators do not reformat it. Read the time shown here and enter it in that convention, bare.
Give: {"hour": 2, "minute": 21}
